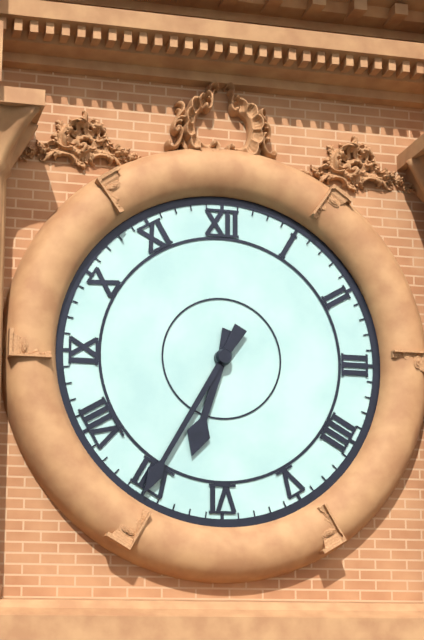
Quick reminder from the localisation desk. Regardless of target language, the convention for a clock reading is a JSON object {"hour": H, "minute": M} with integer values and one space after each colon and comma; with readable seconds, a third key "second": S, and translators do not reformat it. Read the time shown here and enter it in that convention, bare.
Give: {"hour": 6, "minute": 35}
